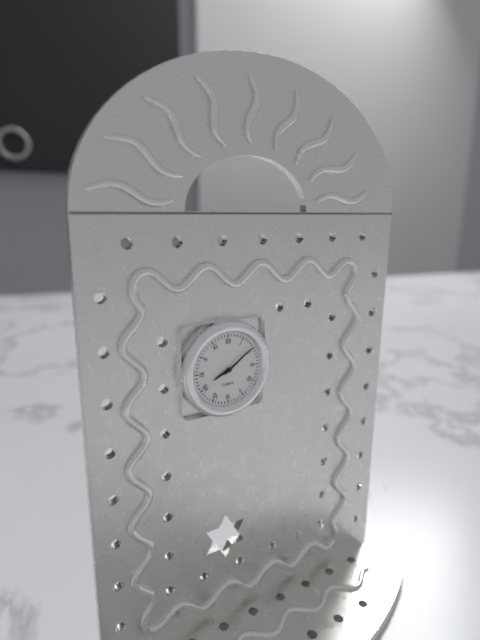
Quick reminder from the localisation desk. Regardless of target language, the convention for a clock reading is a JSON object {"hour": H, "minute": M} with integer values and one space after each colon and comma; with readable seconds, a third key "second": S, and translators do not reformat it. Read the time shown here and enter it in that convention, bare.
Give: {"hour": 8, "minute": 9}
